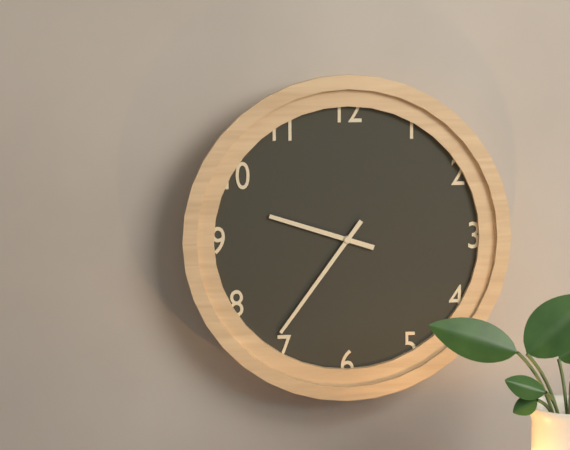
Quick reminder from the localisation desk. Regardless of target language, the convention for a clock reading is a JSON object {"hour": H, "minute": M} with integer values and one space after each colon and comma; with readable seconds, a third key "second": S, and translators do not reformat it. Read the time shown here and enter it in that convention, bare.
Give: {"hour": 9, "minute": 36}
